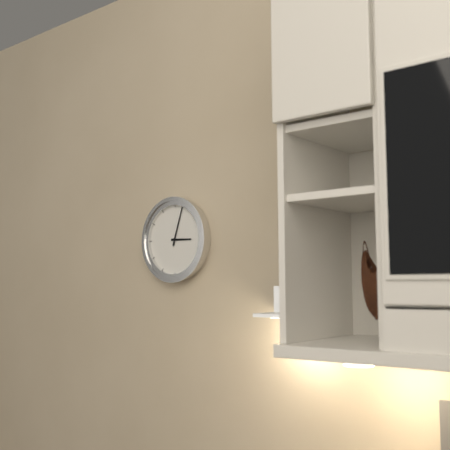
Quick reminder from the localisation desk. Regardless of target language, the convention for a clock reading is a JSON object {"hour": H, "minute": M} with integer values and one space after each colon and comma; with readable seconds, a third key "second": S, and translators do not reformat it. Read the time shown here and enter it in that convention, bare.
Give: {"hour": 3, "minute": 3}
